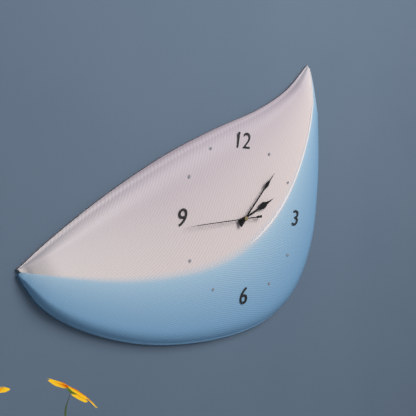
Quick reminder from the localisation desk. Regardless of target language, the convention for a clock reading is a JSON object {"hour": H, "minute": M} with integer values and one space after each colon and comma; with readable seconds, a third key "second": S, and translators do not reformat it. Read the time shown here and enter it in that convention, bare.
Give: {"hour": 2, "minute": 7, "second": 44}
